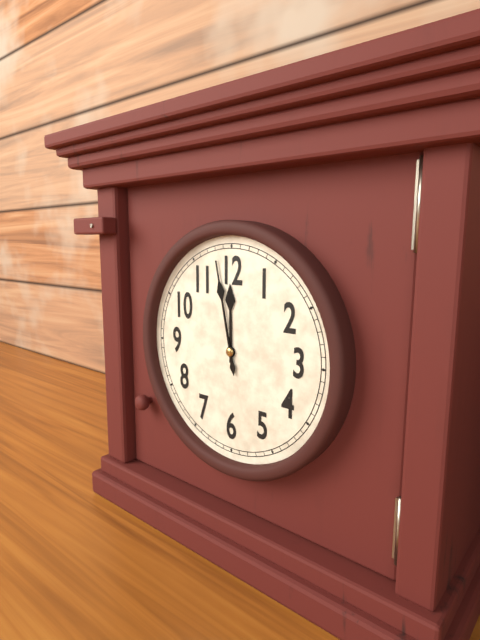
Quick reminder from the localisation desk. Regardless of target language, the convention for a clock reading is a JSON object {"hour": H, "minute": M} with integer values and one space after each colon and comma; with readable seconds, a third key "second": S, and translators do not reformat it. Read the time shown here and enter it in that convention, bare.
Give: {"hour": 11, "minute": 58}
